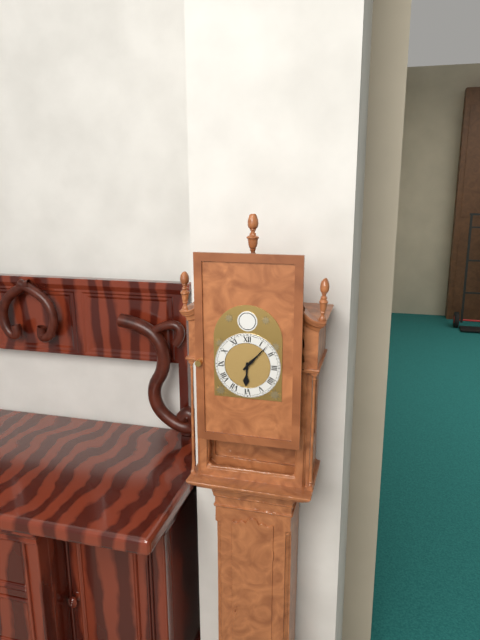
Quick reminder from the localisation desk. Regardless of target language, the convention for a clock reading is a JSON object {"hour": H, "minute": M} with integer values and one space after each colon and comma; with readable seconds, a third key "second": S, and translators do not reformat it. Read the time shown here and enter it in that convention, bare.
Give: {"hour": 6, "minute": 7}
